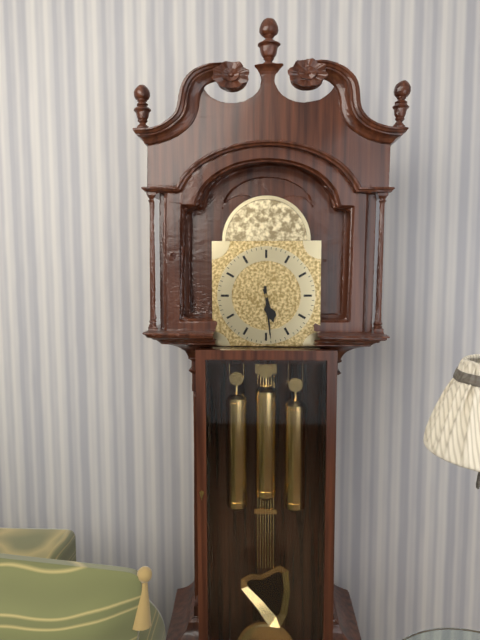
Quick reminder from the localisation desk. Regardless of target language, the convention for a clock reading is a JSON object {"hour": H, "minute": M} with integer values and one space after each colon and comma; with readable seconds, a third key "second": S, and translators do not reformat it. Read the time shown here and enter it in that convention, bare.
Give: {"hour": 5, "minute": 29}
